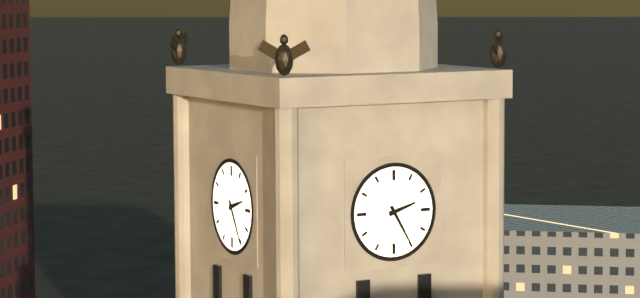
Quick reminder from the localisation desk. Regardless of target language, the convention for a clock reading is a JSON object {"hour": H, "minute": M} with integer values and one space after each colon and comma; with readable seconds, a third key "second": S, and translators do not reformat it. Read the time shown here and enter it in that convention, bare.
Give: {"hour": 2, "minute": 25}
